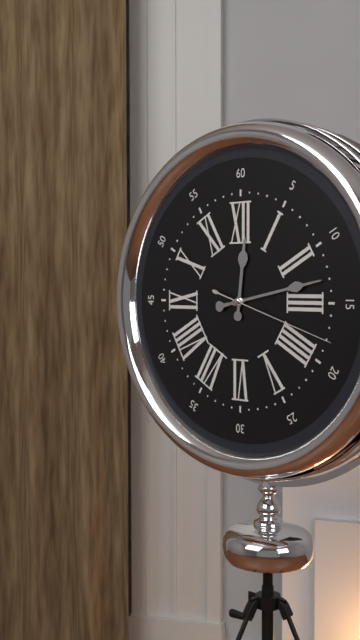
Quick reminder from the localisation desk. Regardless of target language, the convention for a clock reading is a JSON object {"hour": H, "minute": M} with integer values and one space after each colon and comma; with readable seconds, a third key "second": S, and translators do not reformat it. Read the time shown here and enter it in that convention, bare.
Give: {"hour": 12, "minute": 13, "second": 18}
